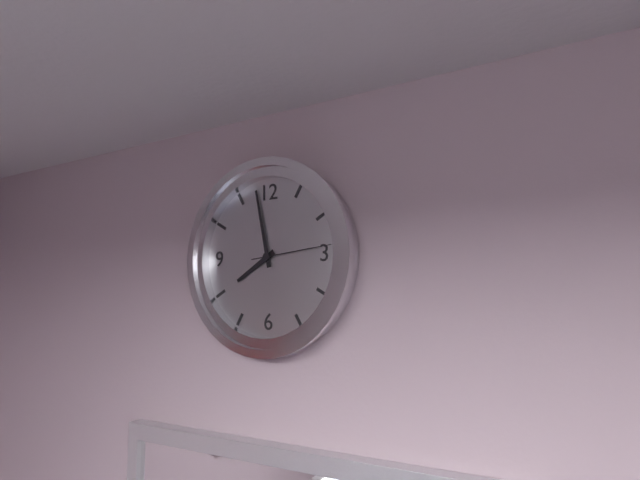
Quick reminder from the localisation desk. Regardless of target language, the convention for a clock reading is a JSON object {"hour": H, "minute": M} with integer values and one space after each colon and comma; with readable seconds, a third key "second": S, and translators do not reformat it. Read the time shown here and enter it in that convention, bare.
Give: {"hour": 7, "minute": 58, "second": 14}
